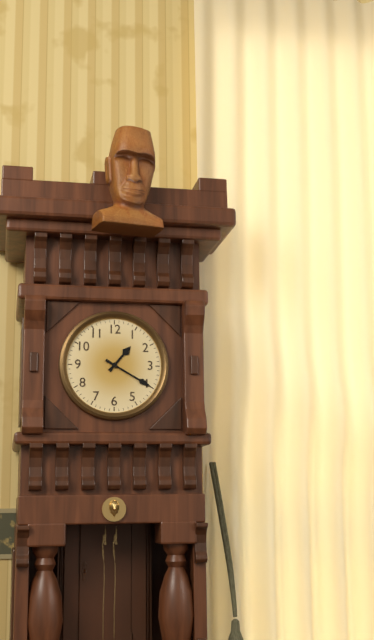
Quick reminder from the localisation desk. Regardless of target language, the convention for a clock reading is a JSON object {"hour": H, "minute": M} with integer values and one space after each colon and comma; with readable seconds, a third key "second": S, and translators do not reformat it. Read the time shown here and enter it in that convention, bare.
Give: {"hour": 1, "minute": 20}
